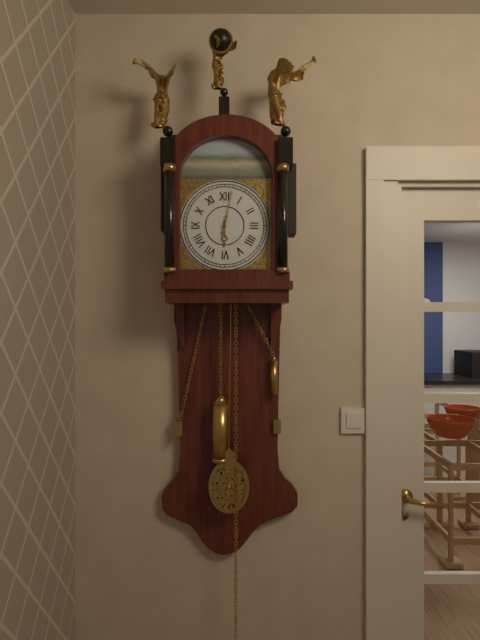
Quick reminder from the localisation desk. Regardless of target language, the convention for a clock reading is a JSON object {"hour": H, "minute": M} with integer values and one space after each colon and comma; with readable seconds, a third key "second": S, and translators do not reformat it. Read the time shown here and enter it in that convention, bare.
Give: {"hour": 6, "minute": 2}
